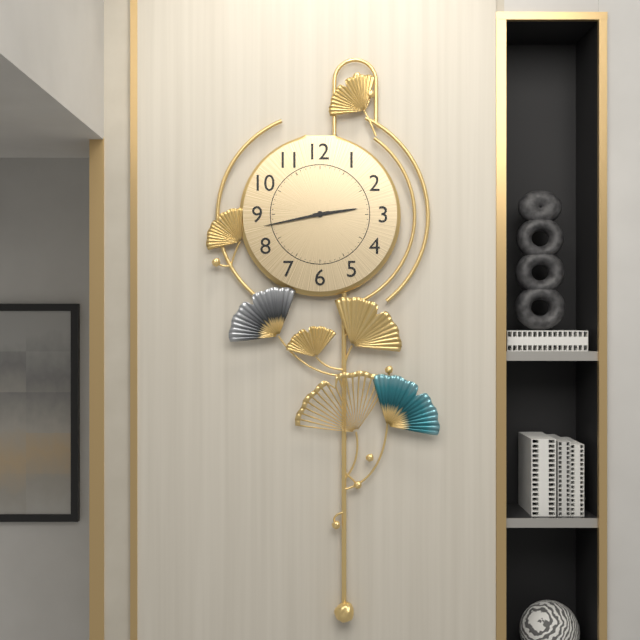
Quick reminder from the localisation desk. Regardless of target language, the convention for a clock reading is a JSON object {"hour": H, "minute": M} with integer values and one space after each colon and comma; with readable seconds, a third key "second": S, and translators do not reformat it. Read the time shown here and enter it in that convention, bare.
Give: {"hour": 2, "minute": 43}
